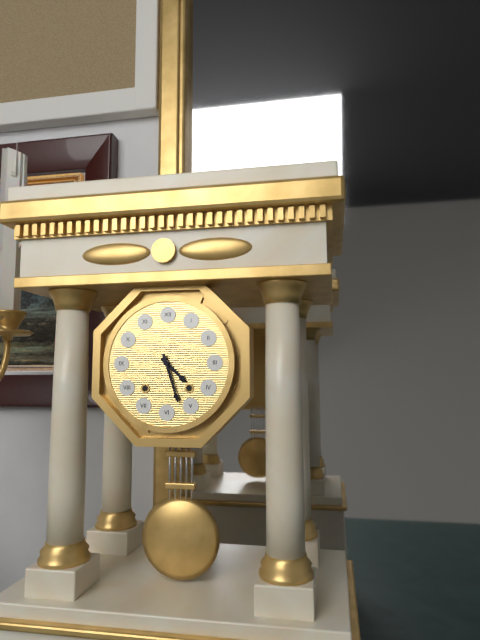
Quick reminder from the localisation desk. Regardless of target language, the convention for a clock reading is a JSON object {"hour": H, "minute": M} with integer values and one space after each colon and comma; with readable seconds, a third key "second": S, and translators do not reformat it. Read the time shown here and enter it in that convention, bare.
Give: {"hour": 4, "minute": 27}
